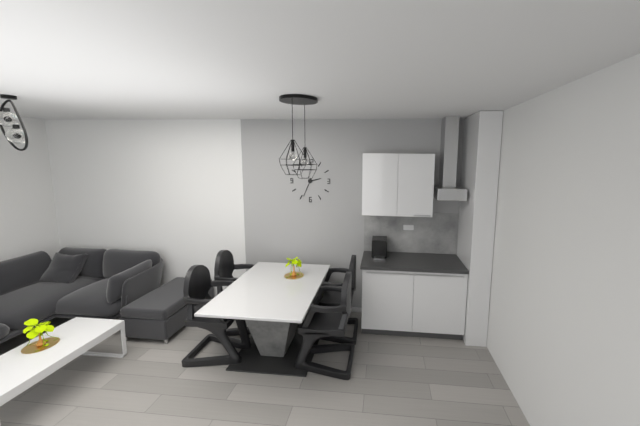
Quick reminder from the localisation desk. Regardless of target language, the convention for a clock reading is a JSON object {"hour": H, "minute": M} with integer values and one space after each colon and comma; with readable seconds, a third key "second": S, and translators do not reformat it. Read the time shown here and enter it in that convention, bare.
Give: {"hour": 2, "minute": 34}
